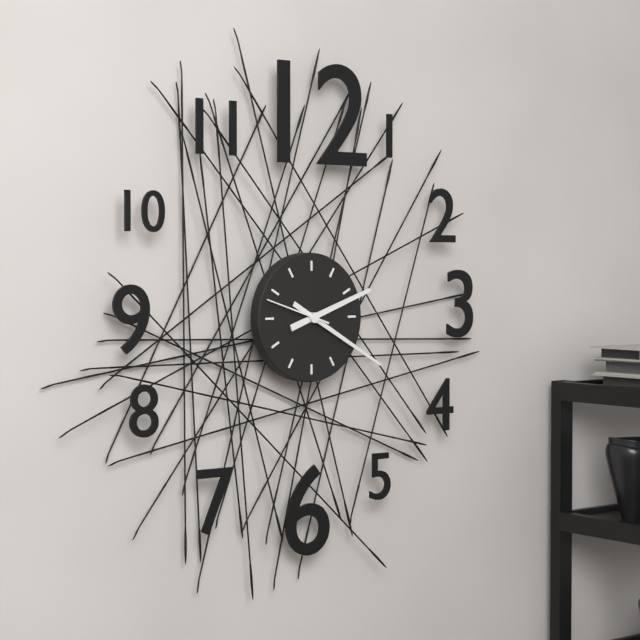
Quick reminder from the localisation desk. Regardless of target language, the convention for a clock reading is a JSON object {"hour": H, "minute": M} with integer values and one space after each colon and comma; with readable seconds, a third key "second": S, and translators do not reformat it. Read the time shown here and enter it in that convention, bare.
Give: {"hour": 2, "minute": 20, "second": 48}
